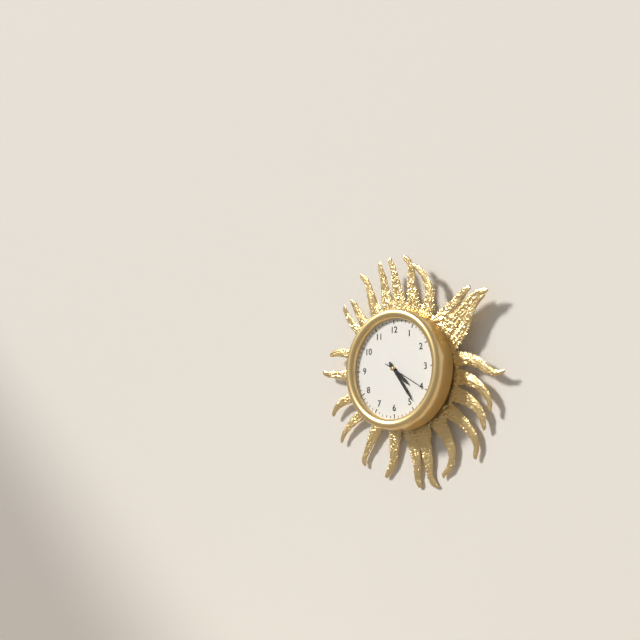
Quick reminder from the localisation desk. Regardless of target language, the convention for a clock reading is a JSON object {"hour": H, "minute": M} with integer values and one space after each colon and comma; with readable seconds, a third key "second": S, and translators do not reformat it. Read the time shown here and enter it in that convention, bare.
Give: {"hour": 4, "minute": 24}
